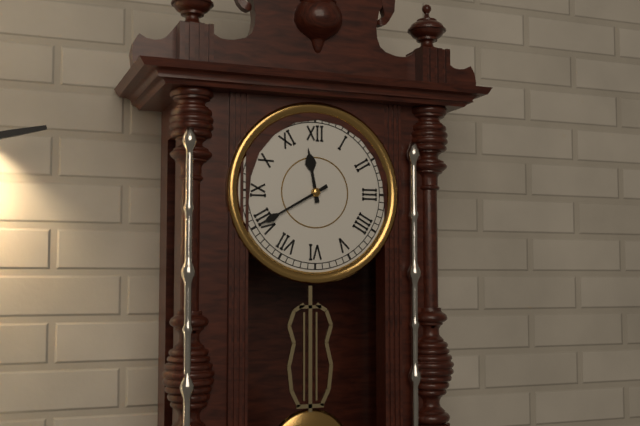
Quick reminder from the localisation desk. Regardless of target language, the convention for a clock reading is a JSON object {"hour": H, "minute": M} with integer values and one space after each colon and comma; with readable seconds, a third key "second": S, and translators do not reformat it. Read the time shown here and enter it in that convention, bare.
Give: {"hour": 11, "minute": 40}
